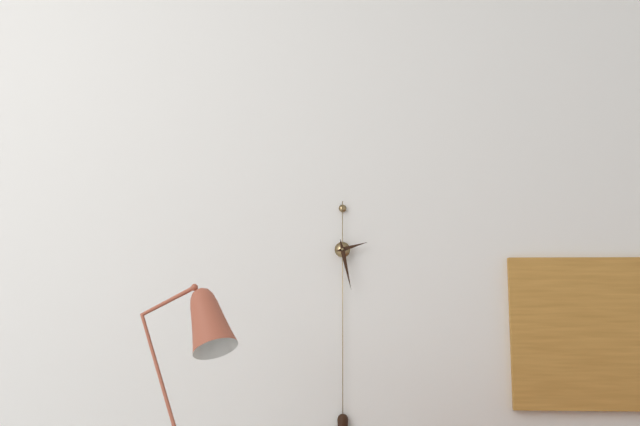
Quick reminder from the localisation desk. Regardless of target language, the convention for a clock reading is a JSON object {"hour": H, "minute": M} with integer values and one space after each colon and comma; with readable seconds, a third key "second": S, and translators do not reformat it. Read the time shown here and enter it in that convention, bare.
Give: {"hour": 2, "minute": 28}
